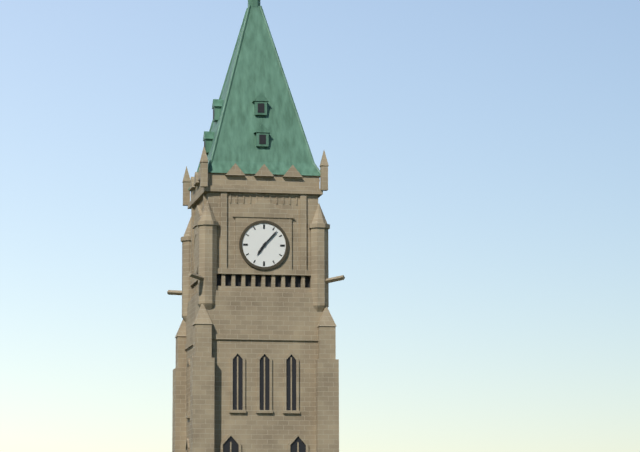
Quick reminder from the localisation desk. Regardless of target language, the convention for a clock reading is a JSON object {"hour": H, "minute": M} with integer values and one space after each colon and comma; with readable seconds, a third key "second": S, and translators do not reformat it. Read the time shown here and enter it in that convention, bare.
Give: {"hour": 7, "minute": 7}
